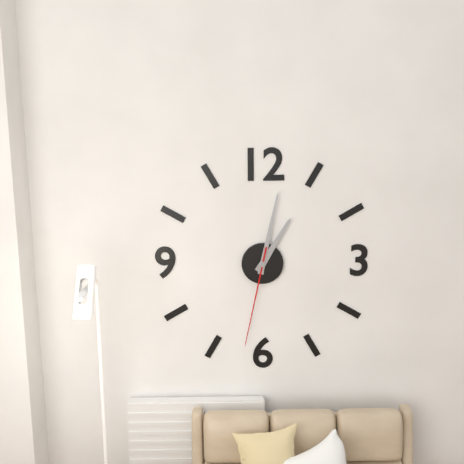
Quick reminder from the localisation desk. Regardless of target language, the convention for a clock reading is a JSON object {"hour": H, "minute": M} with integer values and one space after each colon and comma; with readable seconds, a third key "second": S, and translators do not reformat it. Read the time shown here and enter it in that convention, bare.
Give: {"hour": 1, "minute": 2, "second": 32}
